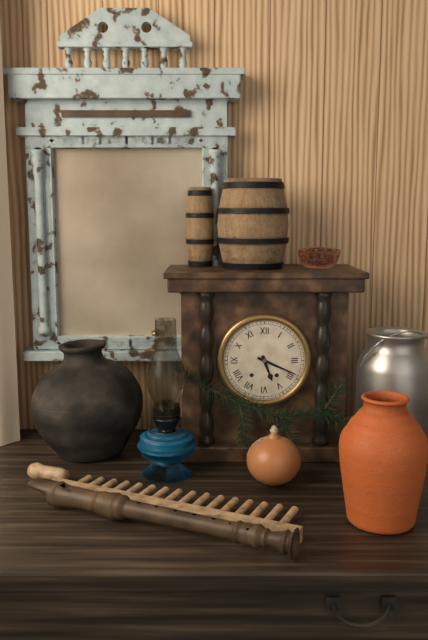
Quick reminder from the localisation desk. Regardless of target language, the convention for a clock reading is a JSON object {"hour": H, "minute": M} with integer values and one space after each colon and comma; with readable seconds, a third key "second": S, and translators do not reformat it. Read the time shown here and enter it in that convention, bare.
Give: {"hour": 5, "minute": 19}
